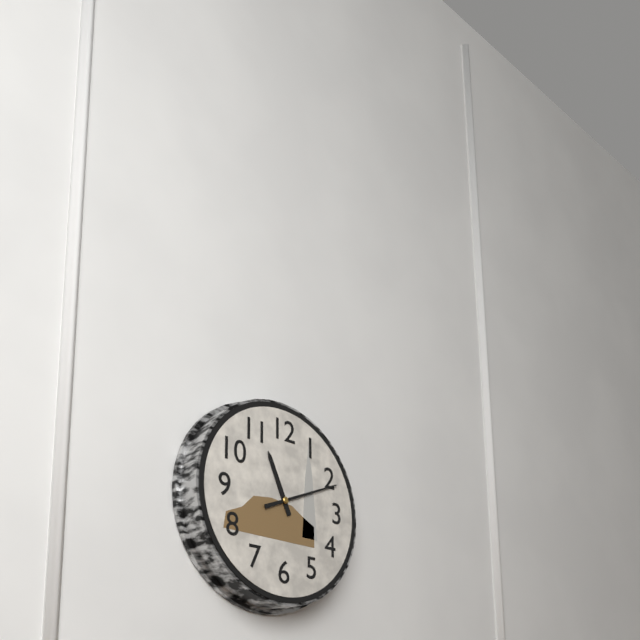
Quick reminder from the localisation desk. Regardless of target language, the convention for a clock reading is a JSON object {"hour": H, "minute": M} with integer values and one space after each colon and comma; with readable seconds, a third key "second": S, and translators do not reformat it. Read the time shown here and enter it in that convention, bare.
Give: {"hour": 11, "minute": 11}
